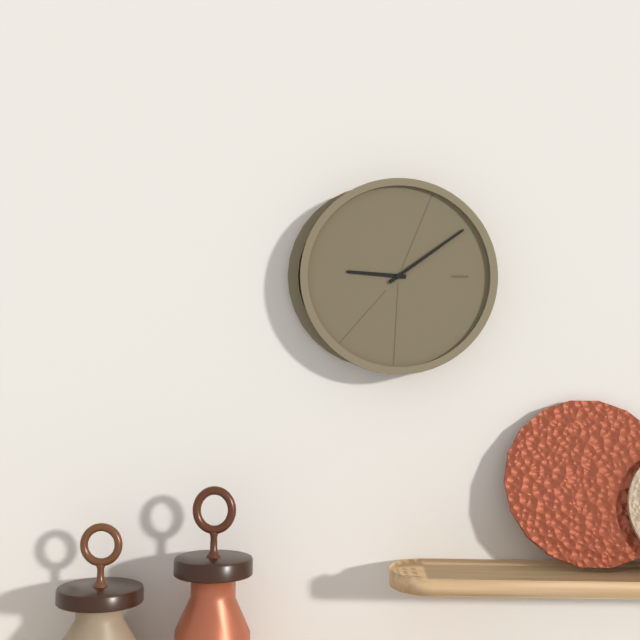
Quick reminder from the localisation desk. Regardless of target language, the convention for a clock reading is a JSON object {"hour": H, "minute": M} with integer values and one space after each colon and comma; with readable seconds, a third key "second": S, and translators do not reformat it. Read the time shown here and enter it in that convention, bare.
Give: {"hour": 9, "minute": 9}
